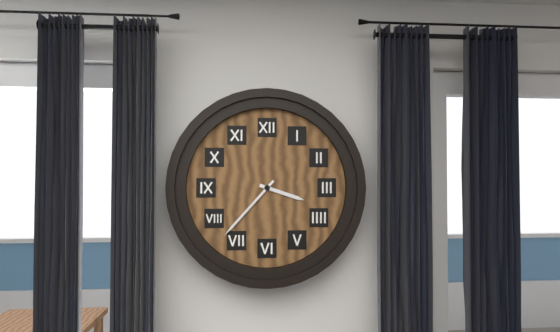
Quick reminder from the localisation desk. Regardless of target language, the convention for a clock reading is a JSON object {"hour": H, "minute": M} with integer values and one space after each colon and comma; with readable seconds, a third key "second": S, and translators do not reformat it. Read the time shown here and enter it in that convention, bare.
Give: {"hour": 3, "minute": 37}
